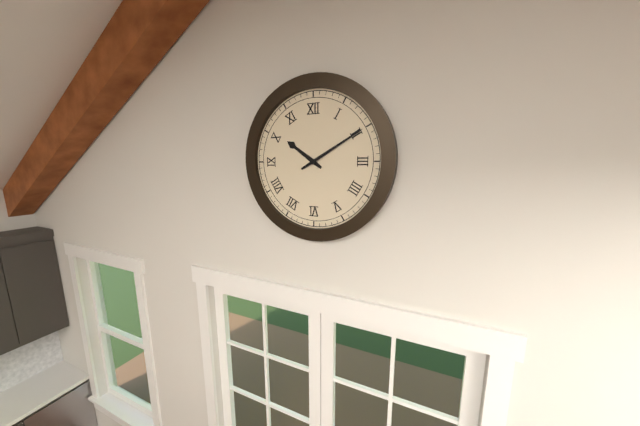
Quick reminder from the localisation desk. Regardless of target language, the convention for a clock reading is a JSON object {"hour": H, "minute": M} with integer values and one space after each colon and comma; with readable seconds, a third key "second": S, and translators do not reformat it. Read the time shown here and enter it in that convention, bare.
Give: {"hour": 10, "minute": 10}
